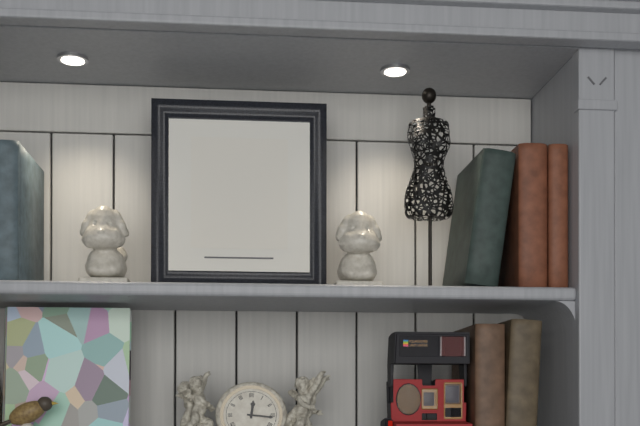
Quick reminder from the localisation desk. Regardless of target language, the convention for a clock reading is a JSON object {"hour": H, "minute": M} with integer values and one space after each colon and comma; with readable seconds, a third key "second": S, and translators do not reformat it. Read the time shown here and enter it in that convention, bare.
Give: {"hour": 12, "minute": 16}
